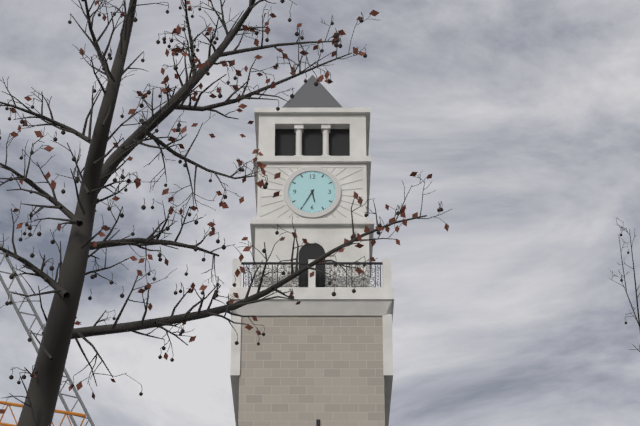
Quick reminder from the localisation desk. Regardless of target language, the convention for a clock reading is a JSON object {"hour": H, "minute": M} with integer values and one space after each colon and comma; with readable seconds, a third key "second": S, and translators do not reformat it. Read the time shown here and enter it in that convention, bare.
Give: {"hour": 5, "minute": 35}
